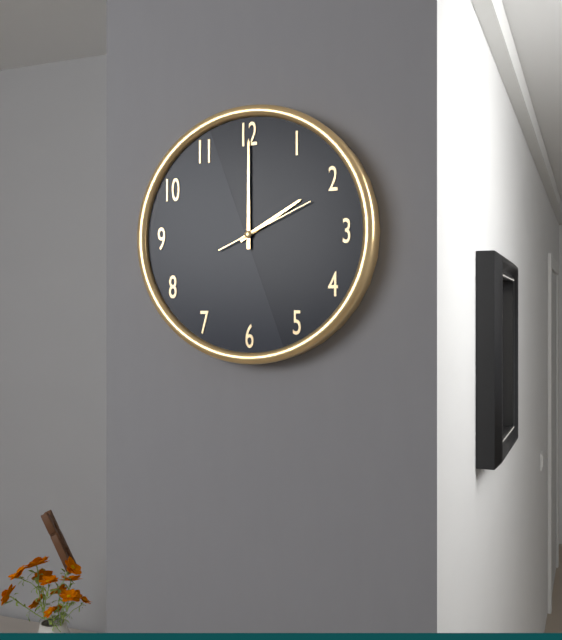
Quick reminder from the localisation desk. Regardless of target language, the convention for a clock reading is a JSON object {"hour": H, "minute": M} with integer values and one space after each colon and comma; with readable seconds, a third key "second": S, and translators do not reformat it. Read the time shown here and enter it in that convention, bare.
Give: {"hour": 2, "minute": 0, "second": 11}
